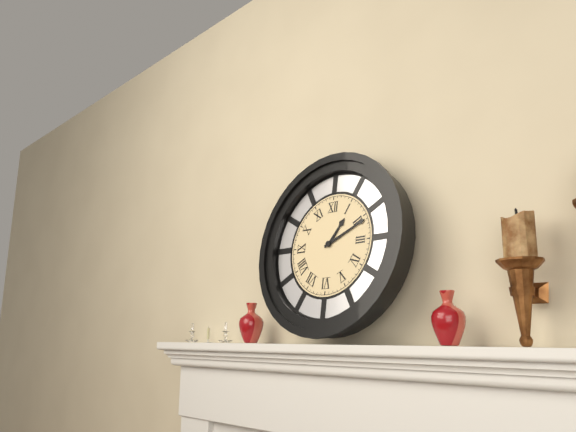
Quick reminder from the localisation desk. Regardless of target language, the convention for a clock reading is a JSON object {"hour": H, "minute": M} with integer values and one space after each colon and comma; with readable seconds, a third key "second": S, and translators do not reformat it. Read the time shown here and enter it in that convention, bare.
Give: {"hour": 1, "minute": 11}
